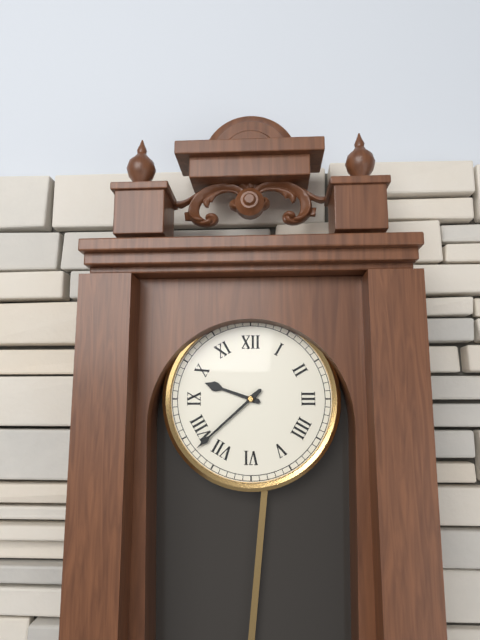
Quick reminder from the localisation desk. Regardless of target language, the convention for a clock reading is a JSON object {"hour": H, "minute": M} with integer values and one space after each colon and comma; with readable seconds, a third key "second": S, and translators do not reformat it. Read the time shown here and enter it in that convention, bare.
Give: {"hour": 9, "minute": 38}
